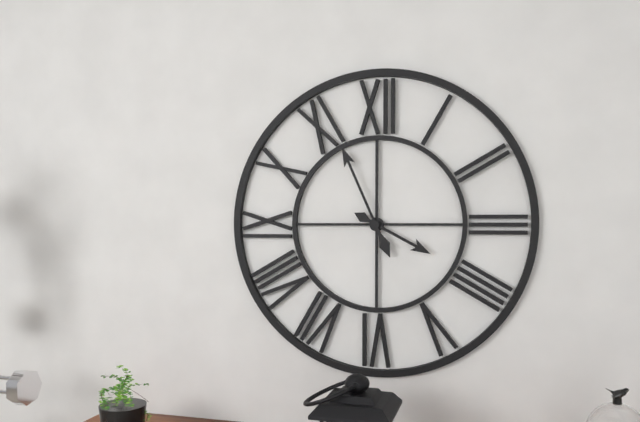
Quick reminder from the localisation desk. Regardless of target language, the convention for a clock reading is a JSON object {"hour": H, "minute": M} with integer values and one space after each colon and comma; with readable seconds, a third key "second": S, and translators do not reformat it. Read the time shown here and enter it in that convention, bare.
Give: {"hour": 3, "minute": 56}
